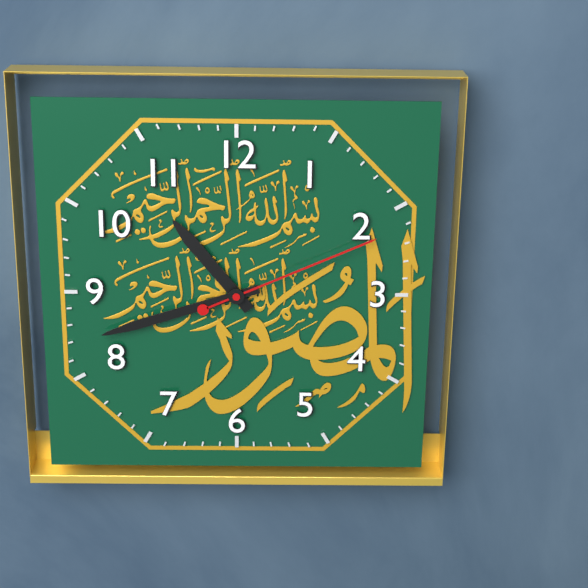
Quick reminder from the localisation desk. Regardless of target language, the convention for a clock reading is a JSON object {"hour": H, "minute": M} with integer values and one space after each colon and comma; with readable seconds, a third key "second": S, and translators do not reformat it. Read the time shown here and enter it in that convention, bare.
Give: {"hour": 10, "minute": 42, "second": 11}
